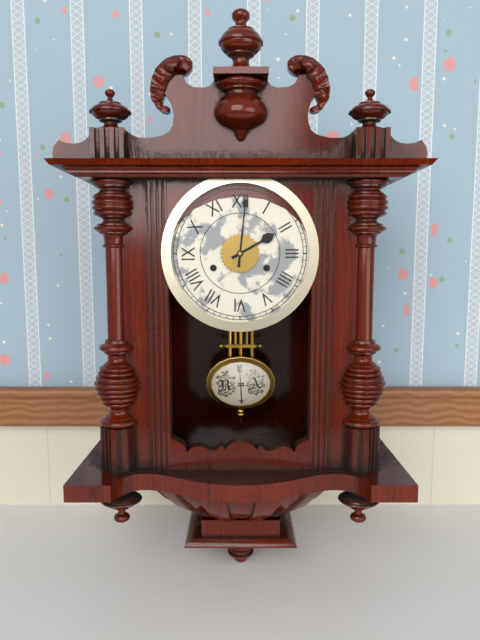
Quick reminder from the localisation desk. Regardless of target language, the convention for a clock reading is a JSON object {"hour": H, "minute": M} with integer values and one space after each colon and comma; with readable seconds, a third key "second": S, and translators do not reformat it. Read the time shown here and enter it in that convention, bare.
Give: {"hour": 2, "minute": 1}
